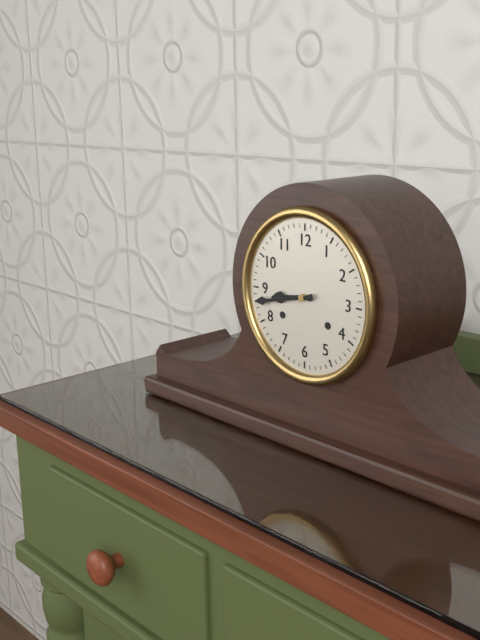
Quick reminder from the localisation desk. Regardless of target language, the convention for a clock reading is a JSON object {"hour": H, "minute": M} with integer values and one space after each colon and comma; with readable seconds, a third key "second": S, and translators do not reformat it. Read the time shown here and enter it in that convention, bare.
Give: {"hour": 8, "minute": 43}
